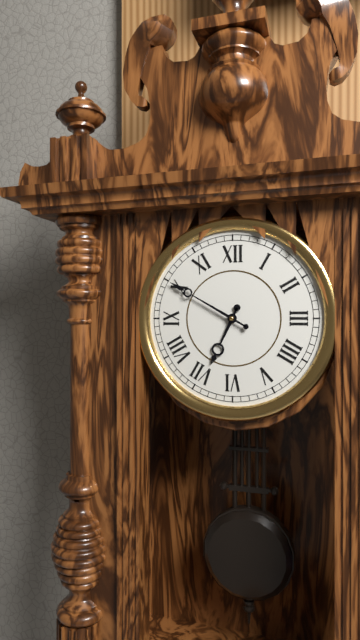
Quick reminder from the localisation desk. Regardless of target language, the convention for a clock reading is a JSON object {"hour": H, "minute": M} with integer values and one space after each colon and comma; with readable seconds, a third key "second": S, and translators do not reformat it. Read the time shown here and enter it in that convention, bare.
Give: {"hour": 6, "minute": 50}
